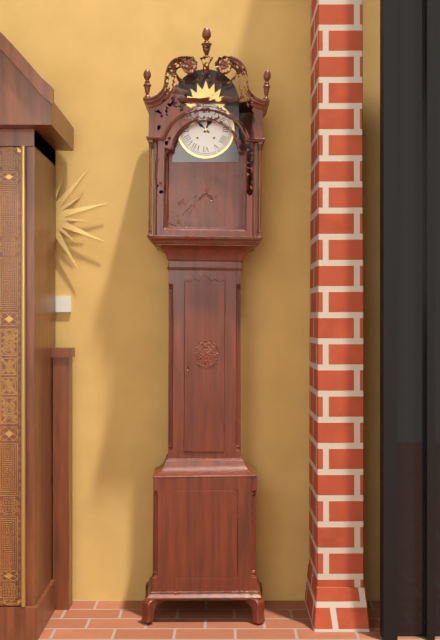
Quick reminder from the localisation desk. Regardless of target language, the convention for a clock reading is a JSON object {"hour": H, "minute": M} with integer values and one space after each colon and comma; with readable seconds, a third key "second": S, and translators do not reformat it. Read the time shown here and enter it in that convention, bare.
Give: {"hour": 12, "minute": 52}
